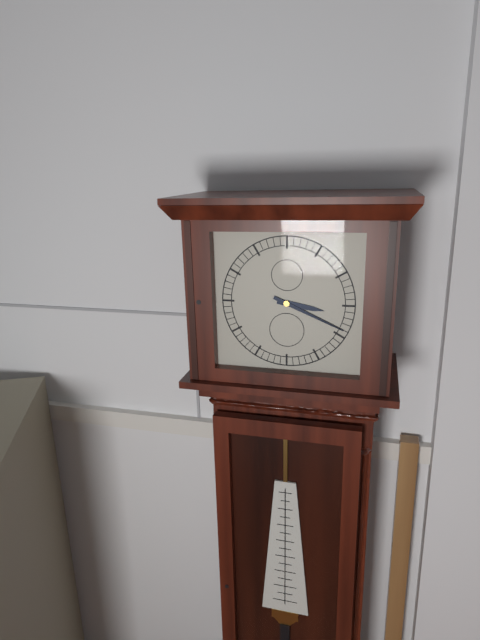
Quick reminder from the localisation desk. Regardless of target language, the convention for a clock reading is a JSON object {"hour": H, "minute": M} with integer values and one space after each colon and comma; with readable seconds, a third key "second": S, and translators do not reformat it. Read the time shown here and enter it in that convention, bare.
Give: {"hour": 3, "minute": 19}
